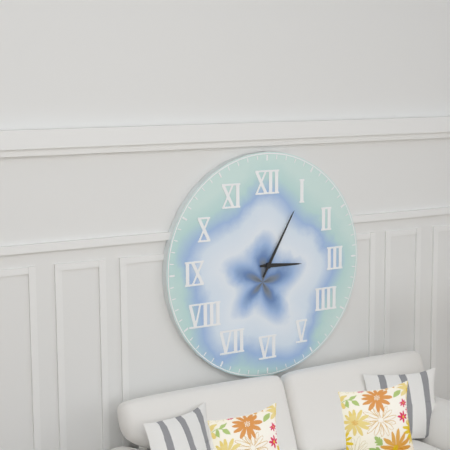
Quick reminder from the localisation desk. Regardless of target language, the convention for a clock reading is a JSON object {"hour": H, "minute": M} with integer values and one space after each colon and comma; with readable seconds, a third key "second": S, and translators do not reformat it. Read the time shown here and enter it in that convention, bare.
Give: {"hour": 3, "minute": 5}
